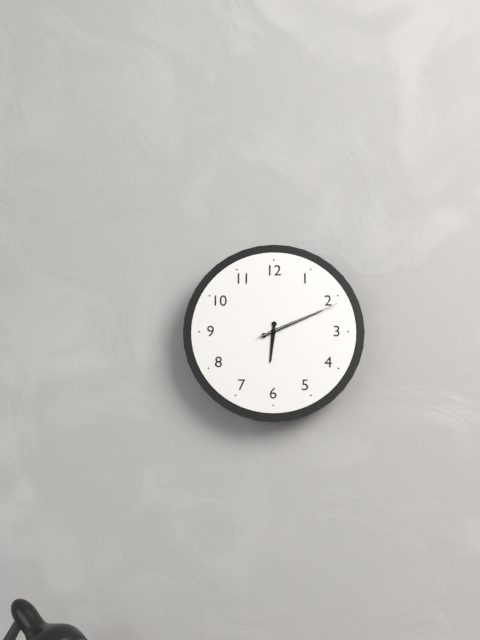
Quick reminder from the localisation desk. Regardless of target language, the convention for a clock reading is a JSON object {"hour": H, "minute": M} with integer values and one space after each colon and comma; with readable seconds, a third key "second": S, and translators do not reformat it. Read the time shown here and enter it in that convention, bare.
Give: {"hour": 6, "minute": 11, "second": 11}
